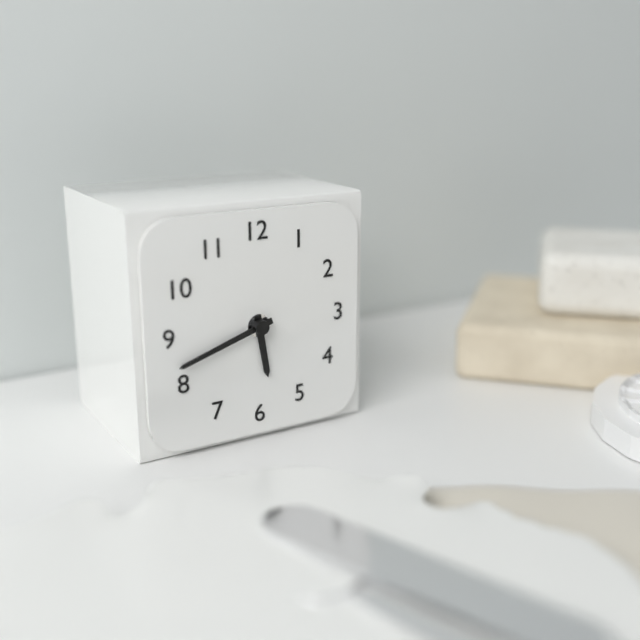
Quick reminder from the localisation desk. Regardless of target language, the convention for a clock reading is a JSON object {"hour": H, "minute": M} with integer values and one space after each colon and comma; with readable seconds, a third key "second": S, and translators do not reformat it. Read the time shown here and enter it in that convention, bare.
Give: {"hour": 5, "minute": 42}
